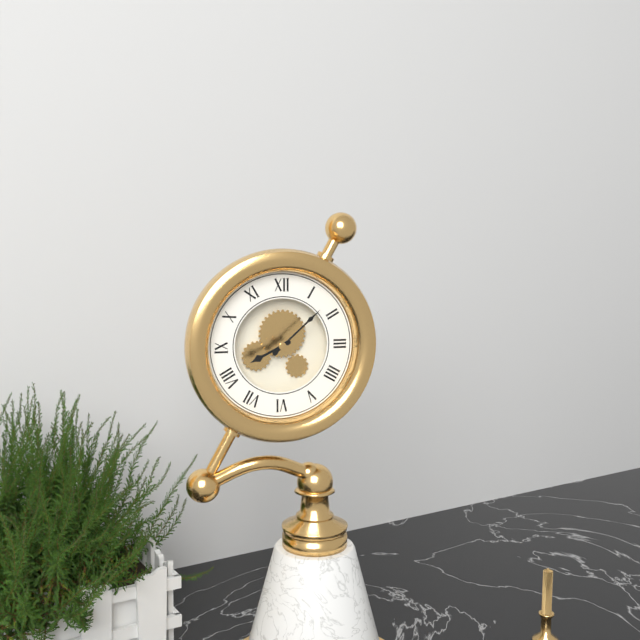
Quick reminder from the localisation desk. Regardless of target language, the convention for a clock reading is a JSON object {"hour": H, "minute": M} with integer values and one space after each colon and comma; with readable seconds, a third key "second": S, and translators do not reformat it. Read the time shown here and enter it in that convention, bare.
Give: {"hour": 8, "minute": 8}
